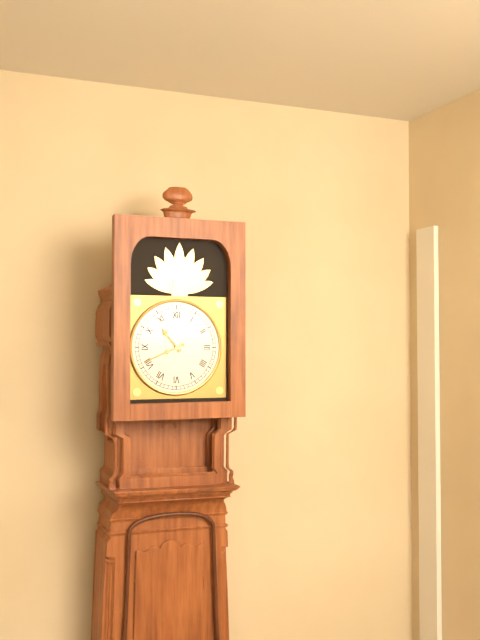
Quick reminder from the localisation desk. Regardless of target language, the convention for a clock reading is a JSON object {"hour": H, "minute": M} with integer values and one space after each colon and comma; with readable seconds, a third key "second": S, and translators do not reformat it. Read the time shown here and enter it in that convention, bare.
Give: {"hour": 10, "minute": 41}
